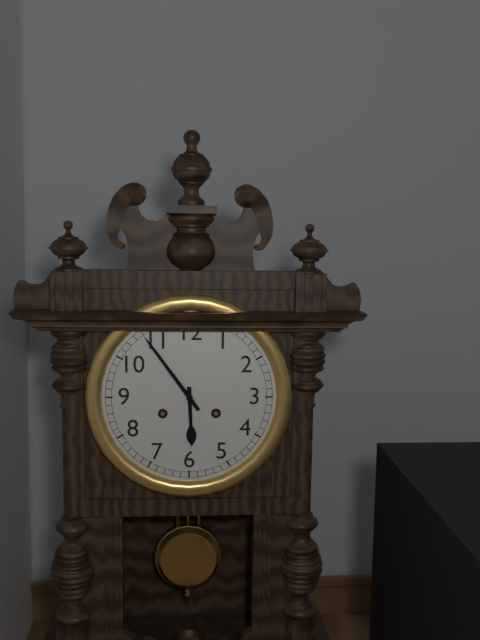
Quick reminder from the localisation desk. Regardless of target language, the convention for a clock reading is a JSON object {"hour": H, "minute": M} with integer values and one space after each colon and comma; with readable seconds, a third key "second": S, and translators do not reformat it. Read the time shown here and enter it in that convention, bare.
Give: {"hour": 5, "minute": 54}
